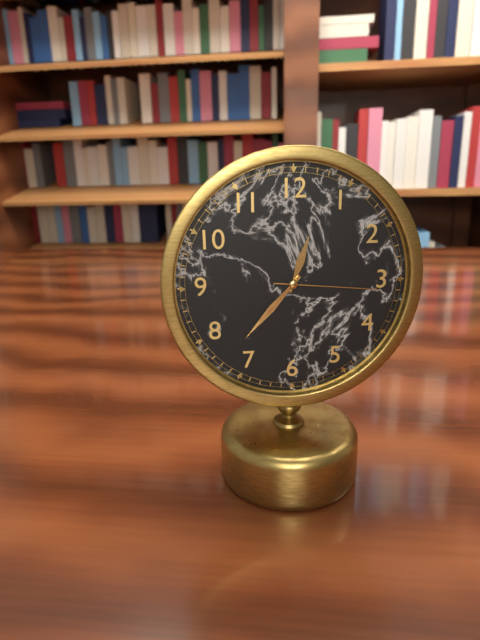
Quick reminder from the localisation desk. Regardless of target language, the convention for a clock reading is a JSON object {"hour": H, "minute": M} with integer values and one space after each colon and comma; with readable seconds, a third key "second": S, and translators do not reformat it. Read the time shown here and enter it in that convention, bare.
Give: {"hour": 12, "minute": 37, "second": 16}
